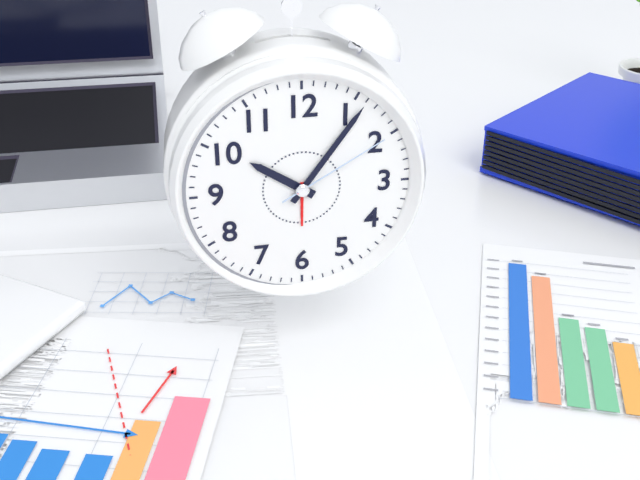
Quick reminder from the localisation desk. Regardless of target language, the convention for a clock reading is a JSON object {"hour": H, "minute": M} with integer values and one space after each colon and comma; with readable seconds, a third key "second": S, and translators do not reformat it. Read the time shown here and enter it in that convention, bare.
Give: {"hour": 10, "minute": 6, "second": 10}
